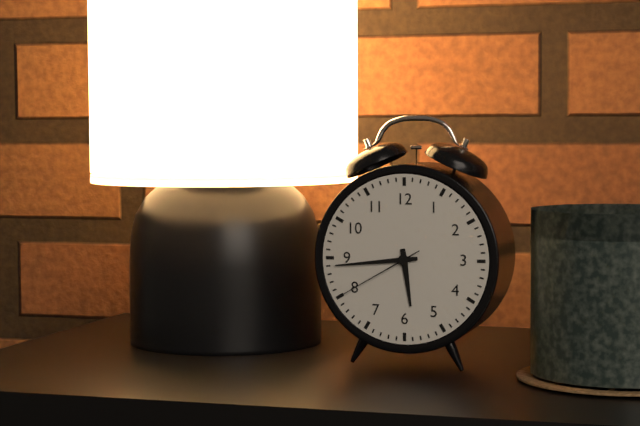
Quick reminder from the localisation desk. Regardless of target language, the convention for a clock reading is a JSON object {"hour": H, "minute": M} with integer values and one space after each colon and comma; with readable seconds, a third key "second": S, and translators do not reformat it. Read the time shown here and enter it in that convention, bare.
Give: {"hour": 5, "minute": 44, "second": 40}
